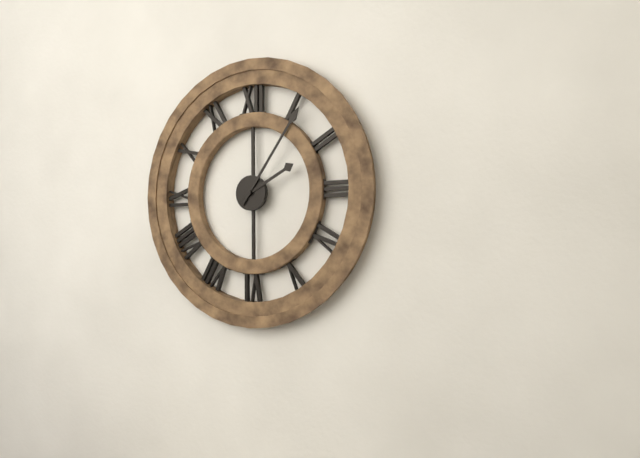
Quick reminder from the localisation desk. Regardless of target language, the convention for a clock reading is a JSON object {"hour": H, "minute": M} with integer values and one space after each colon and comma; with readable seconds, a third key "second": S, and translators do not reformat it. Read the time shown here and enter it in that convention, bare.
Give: {"hour": 2, "minute": 6}
